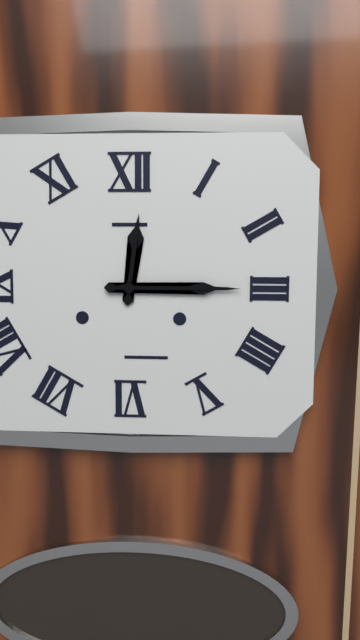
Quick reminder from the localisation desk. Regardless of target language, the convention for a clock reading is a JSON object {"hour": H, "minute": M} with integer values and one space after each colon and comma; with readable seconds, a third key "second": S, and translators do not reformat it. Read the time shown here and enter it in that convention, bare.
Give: {"hour": 12, "minute": 15}
